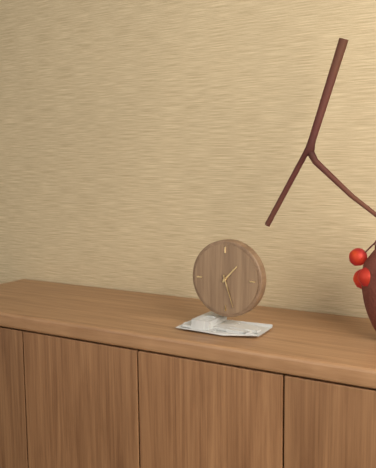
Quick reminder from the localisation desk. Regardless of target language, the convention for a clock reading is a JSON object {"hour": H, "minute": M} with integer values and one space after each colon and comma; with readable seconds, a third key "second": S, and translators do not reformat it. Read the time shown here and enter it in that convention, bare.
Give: {"hour": 1, "minute": 27}
